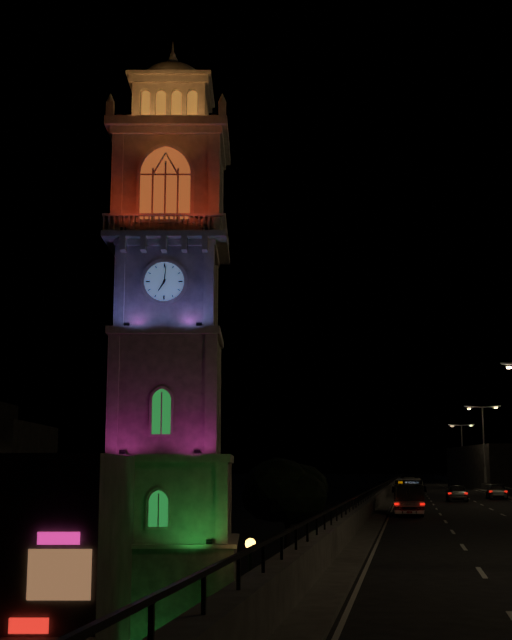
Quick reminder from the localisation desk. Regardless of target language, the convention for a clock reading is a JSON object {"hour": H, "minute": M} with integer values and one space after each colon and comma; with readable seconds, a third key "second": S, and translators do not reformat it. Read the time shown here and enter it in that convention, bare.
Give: {"hour": 7, "minute": 1}
